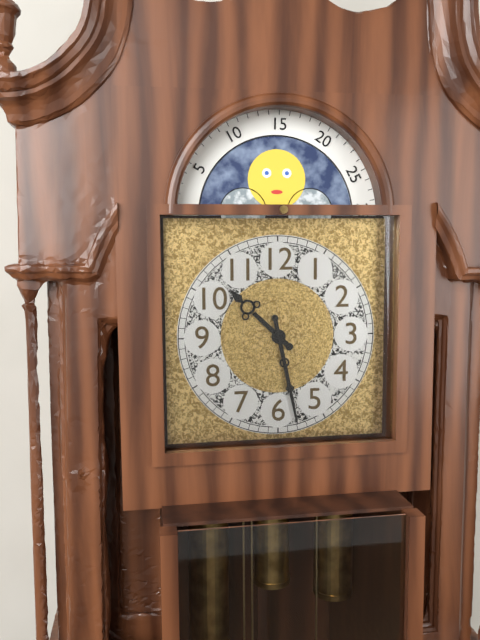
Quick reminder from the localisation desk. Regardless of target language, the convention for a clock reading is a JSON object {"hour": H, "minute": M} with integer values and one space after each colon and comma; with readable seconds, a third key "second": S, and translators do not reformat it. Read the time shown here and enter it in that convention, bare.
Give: {"hour": 10, "minute": 28}
